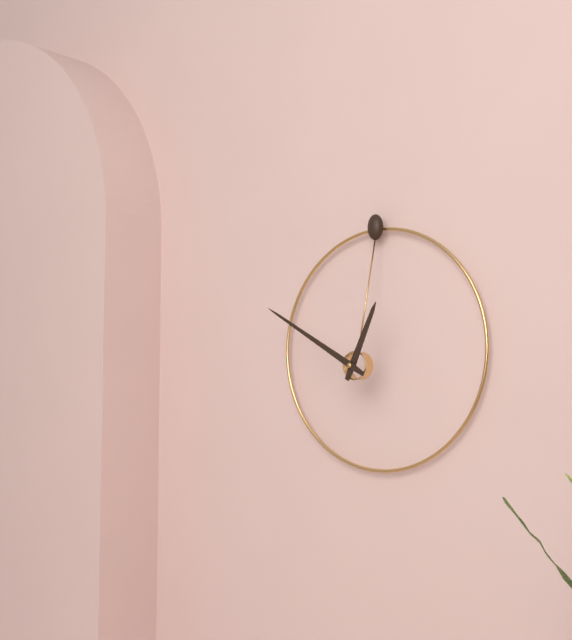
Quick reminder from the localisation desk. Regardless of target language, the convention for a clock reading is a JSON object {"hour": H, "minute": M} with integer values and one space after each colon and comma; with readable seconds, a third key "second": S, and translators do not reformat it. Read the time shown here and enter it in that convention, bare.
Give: {"hour": 12, "minute": 50}
